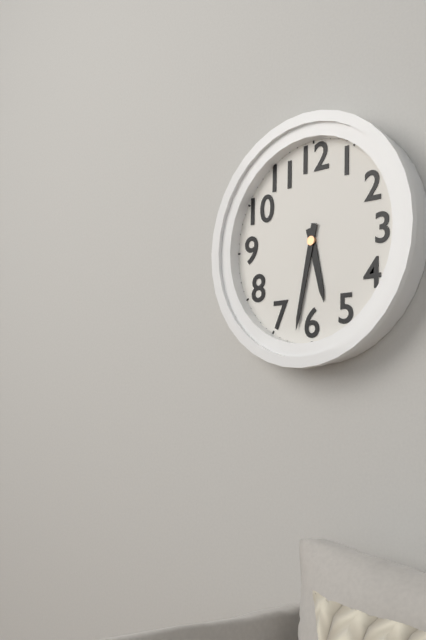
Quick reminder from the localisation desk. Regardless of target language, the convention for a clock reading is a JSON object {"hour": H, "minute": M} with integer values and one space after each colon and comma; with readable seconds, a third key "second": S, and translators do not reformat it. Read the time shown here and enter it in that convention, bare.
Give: {"hour": 5, "minute": 32}
